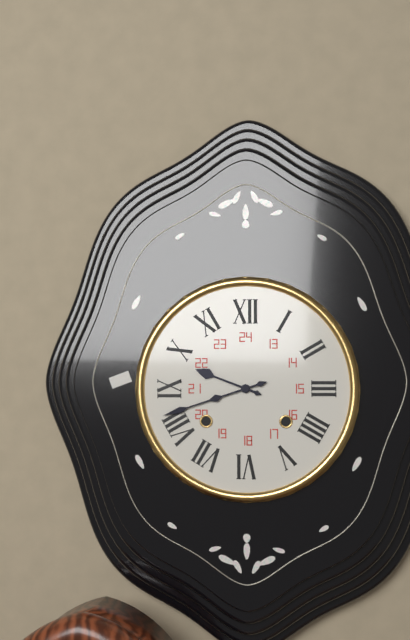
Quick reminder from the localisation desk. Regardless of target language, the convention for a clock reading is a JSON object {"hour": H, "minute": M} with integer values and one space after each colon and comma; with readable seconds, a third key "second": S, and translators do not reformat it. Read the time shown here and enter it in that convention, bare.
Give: {"hour": 9, "minute": 42}
